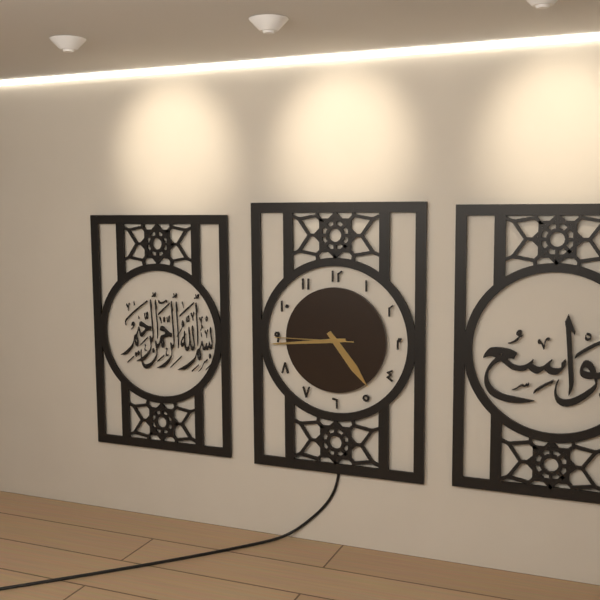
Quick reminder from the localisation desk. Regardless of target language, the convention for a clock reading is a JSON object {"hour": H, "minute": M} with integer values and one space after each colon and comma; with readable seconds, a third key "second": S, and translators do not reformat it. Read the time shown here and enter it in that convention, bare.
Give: {"hour": 4, "minute": 44, "second": 45}
